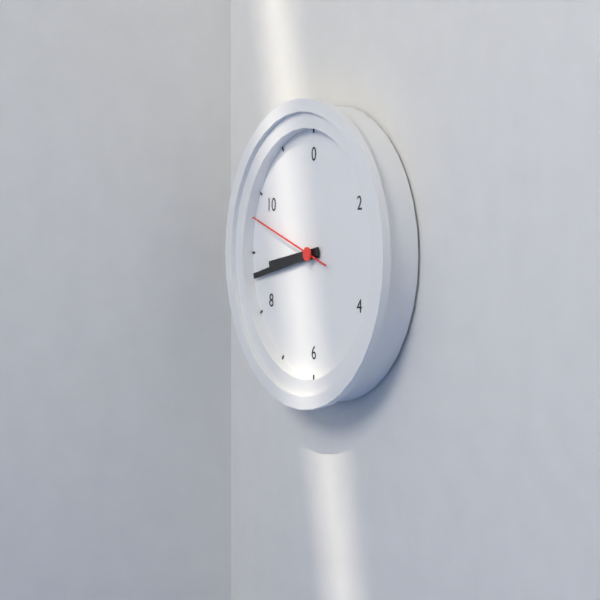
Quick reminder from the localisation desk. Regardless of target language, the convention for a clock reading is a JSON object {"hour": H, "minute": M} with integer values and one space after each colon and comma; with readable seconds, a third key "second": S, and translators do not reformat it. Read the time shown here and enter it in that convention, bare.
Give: {"hour": 8, "minute": 43, "second": 48}
